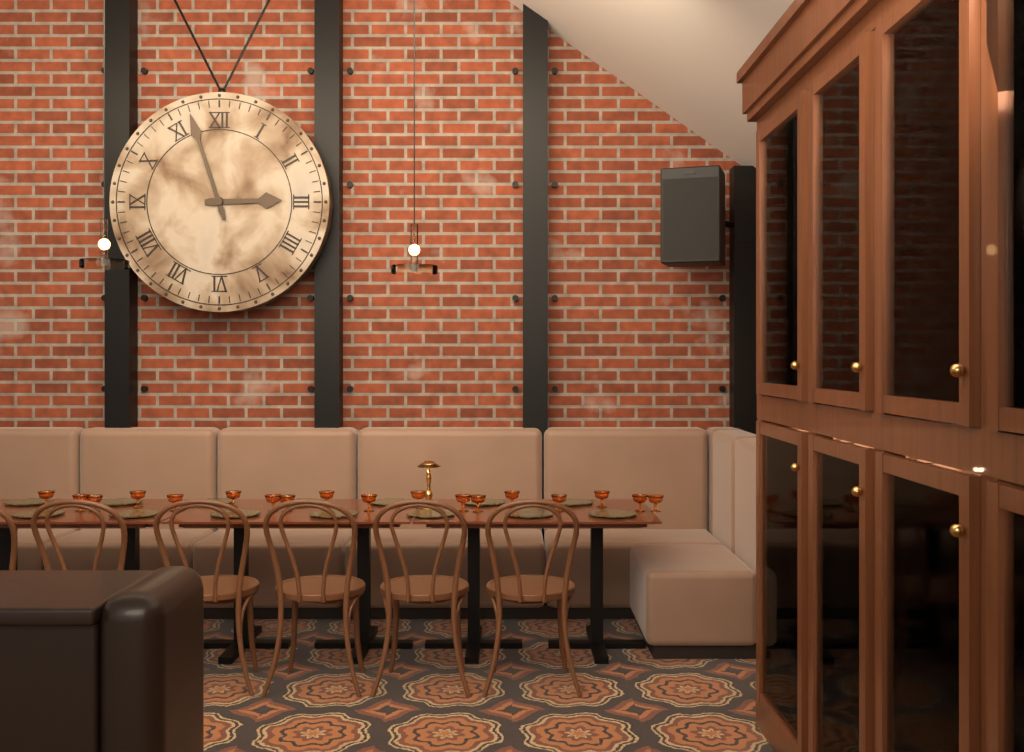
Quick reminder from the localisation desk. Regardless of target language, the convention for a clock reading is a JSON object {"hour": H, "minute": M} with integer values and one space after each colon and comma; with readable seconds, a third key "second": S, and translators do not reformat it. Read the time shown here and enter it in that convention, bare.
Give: {"hour": 2, "minute": 57}
